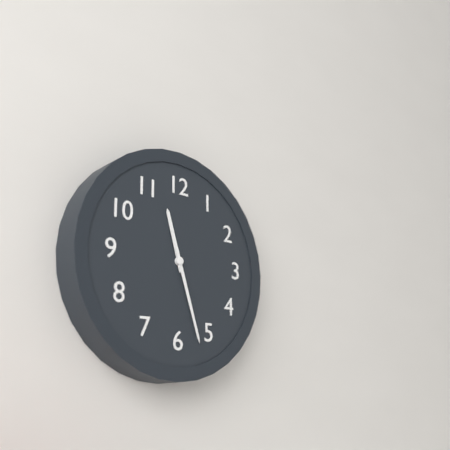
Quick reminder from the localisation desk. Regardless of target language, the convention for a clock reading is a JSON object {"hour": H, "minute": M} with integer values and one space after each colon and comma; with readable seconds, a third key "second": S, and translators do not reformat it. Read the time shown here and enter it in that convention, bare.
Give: {"hour": 11, "minute": 27}
